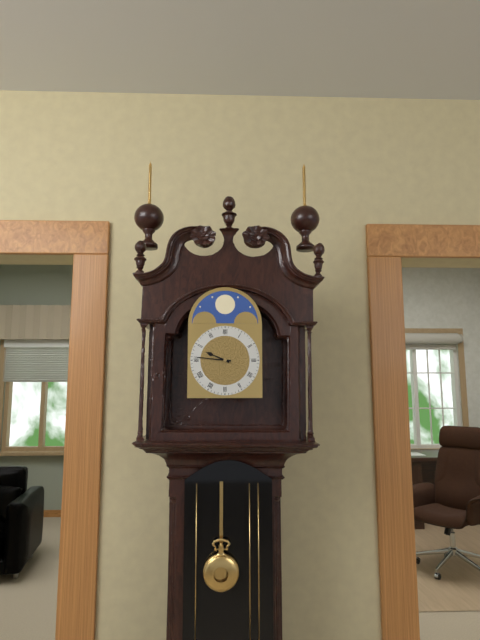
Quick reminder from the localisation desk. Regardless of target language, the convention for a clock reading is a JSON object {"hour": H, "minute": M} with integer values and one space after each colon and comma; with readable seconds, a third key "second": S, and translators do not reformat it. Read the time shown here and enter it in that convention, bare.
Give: {"hour": 9, "minute": 46}
